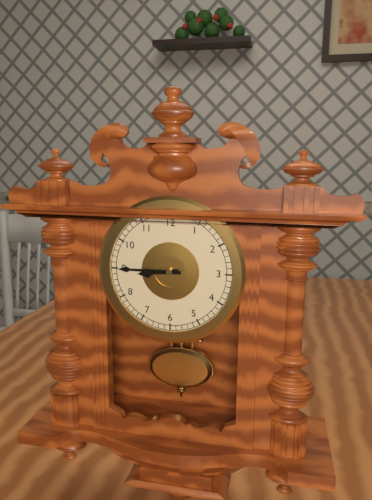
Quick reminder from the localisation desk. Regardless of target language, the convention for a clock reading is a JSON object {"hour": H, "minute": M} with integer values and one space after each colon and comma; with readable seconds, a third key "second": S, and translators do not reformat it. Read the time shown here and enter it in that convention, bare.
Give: {"hour": 8, "minute": 45}
